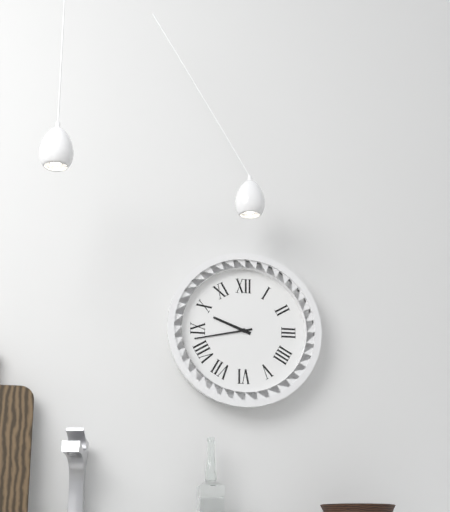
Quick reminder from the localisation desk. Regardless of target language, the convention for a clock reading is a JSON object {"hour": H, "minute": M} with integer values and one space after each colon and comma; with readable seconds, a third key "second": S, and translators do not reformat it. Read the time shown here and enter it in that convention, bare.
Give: {"hour": 9, "minute": 43}
